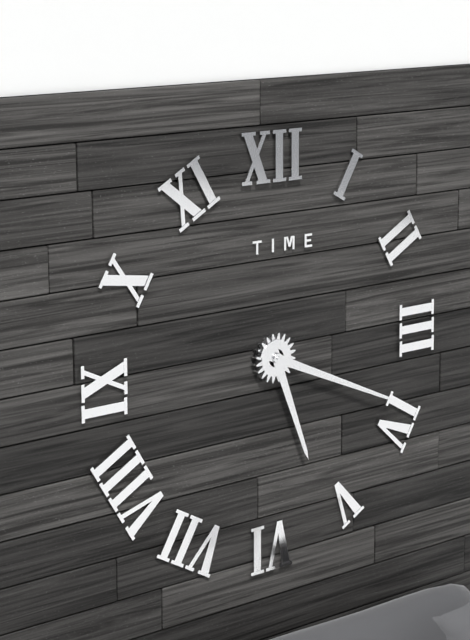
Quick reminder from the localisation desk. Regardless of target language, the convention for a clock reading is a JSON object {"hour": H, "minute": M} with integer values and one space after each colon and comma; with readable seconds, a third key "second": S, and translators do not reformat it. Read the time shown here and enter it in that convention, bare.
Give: {"hour": 5, "minute": 19}
